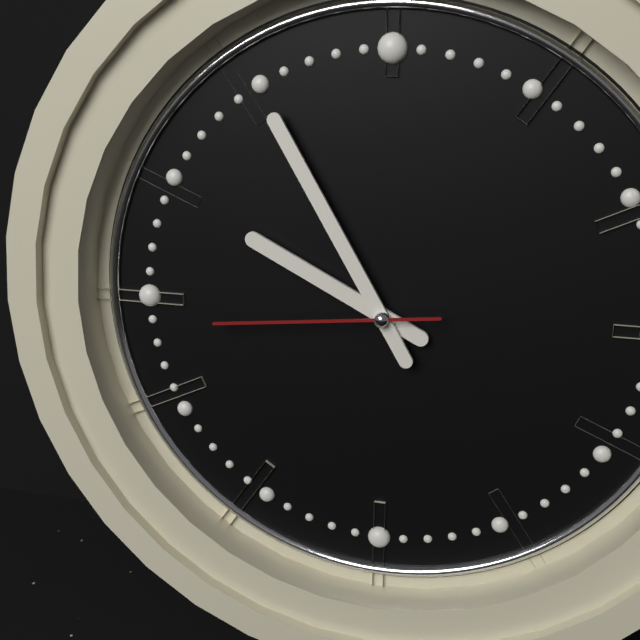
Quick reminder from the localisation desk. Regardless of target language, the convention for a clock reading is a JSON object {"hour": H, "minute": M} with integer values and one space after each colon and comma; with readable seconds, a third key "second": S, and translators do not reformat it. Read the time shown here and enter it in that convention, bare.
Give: {"hour": 9, "minute": 55, "second": 44}
